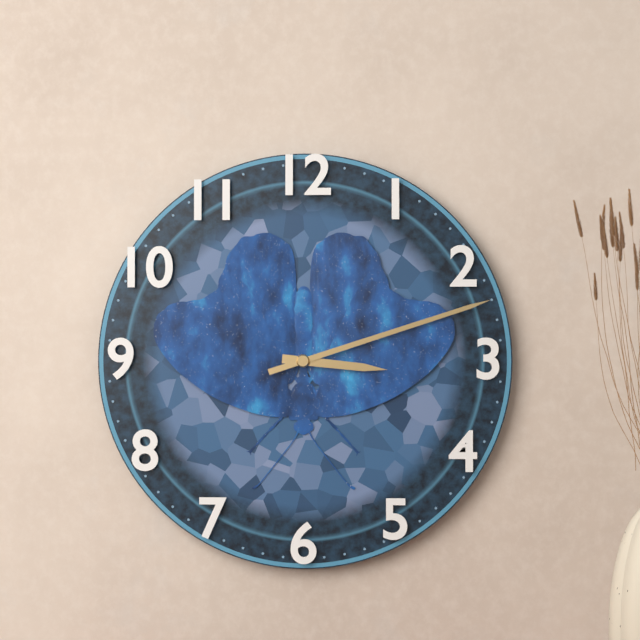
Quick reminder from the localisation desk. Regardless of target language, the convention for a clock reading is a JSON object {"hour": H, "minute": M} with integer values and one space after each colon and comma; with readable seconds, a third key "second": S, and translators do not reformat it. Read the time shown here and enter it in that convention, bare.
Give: {"hour": 3, "minute": 12}
